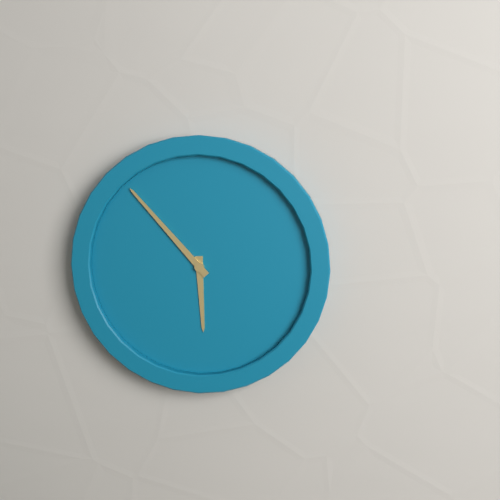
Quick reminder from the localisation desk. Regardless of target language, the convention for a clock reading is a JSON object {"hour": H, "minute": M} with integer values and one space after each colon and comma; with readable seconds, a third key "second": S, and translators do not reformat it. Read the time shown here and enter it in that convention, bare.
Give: {"hour": 5, "minute": 53}
